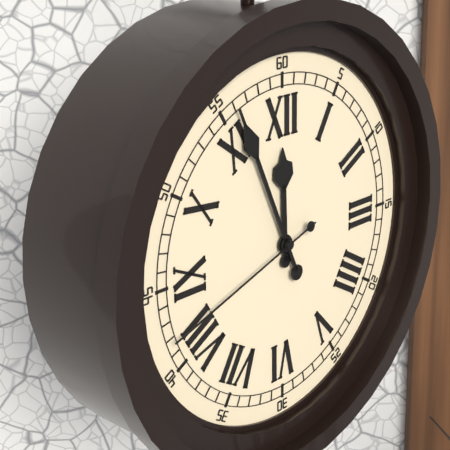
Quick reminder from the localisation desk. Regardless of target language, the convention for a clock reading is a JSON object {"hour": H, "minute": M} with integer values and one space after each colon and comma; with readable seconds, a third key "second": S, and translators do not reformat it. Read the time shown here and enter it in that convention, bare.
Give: {"hour": 11, "minute": 56, "second": 42}
